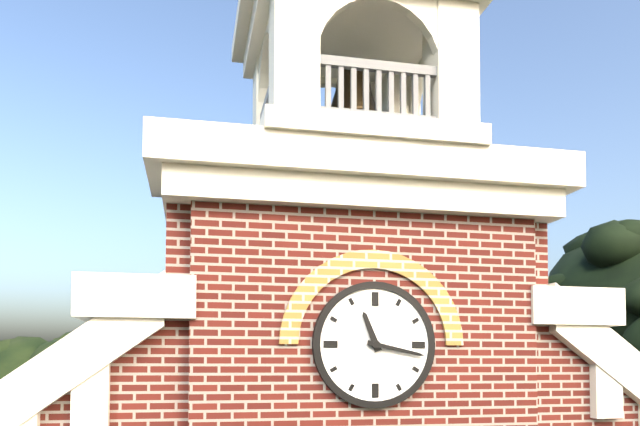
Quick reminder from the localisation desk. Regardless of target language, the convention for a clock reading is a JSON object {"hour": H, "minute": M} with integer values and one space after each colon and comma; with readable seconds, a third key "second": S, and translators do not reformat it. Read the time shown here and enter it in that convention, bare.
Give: {"hour": 11, "minute": 17}
